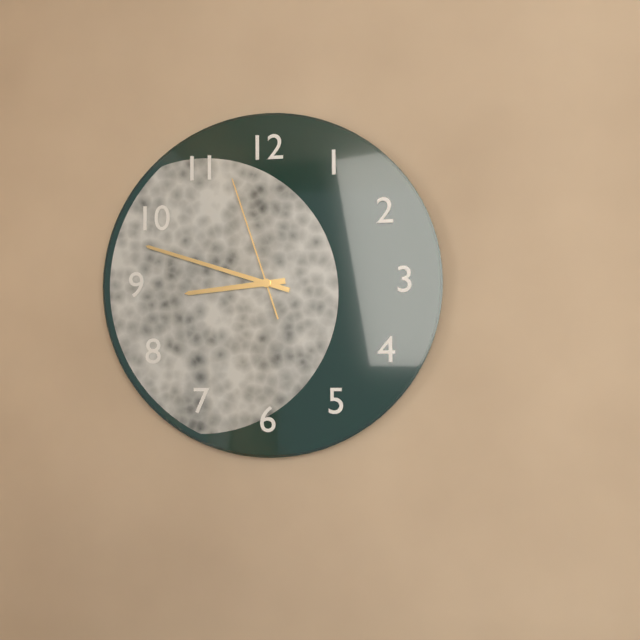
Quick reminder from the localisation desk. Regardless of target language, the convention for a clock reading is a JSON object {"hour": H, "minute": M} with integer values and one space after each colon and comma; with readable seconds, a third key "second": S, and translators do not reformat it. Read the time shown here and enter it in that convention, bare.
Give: {"hour": 8, "minute": 48, "second": 57}
